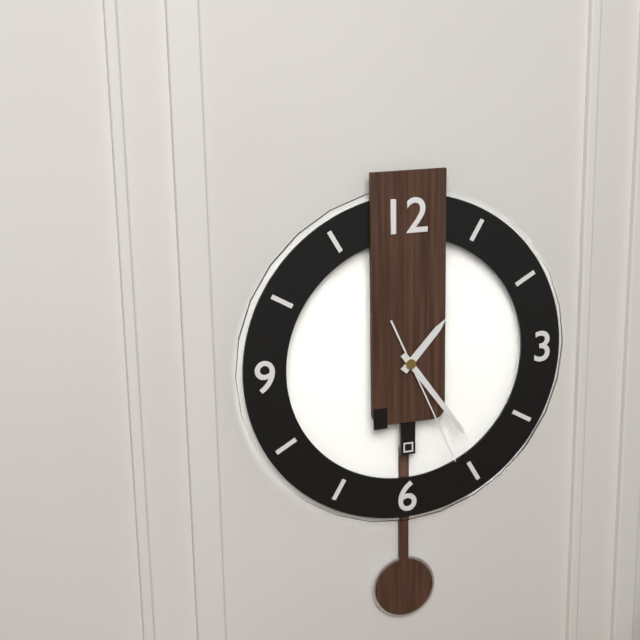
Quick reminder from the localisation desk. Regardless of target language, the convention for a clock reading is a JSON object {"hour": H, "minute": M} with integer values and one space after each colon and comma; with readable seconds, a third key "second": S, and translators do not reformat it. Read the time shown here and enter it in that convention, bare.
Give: {"hour": 1, "minute": 24, "second": 26}
